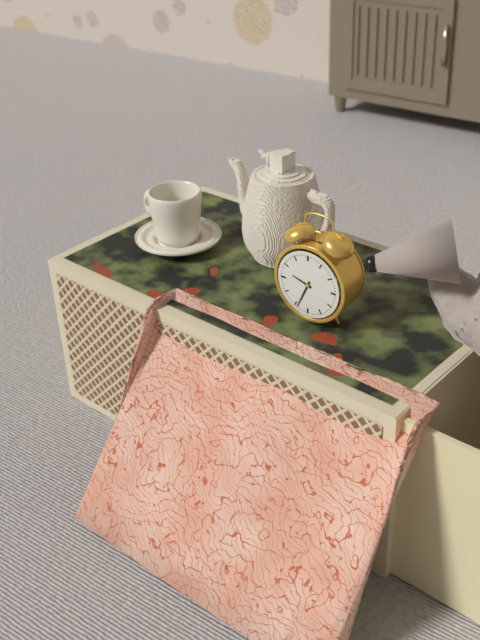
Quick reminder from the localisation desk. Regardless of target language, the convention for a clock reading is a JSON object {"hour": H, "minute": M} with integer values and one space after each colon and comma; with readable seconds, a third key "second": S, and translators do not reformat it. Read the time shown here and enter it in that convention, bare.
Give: {"hour": 9, "minute": 34}
